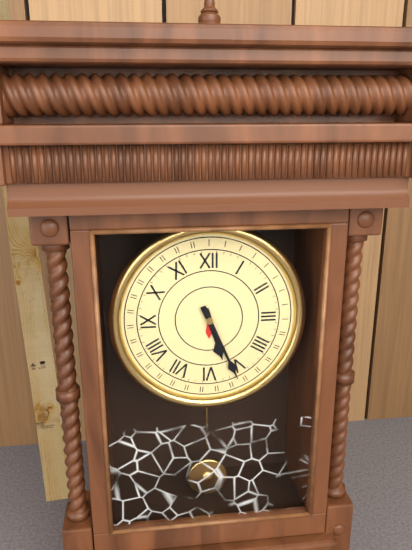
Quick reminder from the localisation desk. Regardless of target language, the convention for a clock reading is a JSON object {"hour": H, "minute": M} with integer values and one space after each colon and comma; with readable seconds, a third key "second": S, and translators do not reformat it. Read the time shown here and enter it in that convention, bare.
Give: {"hour": 5, "minute": 26}
